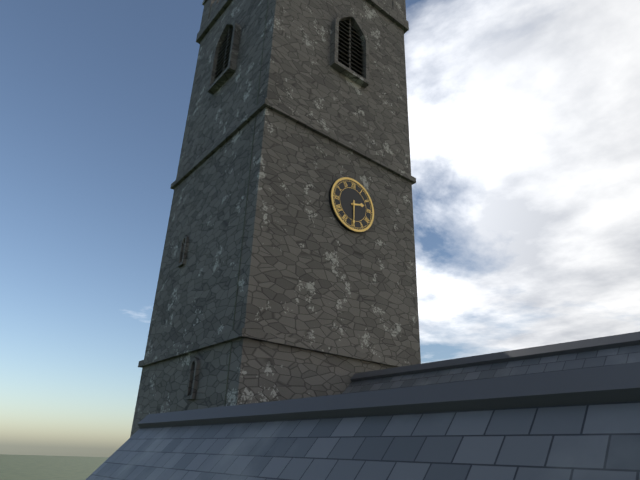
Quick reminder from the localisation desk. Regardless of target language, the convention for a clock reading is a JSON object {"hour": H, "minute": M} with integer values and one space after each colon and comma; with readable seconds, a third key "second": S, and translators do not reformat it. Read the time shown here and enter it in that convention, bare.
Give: {"hour": 2, "minute": 30}
